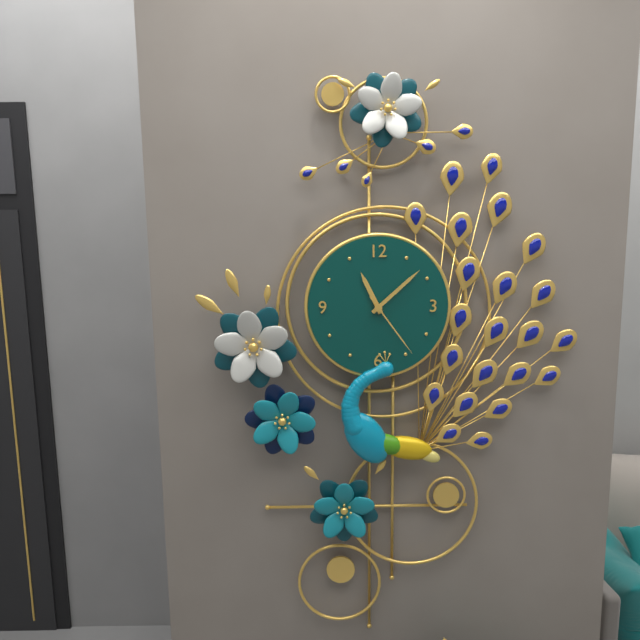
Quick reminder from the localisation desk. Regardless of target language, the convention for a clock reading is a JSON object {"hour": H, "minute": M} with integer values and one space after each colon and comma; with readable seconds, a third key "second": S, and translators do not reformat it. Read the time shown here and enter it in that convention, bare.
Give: {"hour": 11, "minute": 8, "second": 24}
